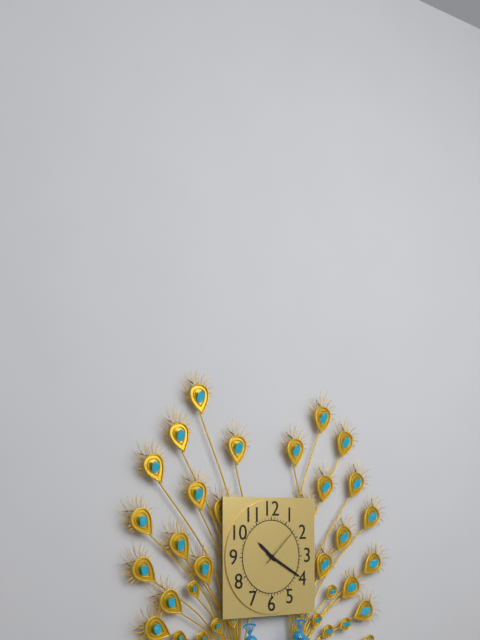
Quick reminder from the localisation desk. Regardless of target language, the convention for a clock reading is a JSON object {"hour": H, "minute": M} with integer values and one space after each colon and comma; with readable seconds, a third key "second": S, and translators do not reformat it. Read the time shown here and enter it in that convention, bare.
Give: {"hour": 10, "minute": 20}
